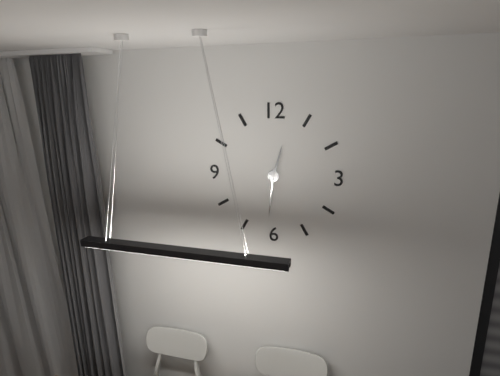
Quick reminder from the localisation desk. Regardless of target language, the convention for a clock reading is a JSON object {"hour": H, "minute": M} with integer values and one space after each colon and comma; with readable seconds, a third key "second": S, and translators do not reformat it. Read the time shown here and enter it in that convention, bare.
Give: {"hour": 12, "minute": 31}
